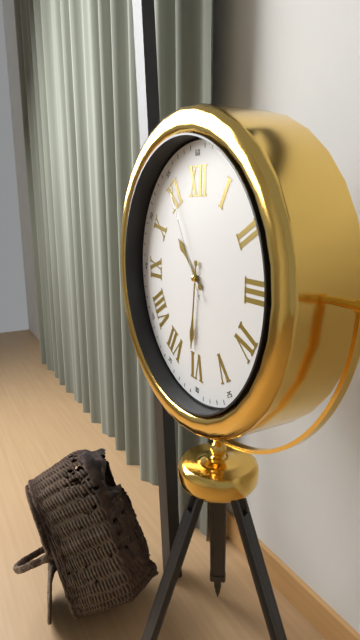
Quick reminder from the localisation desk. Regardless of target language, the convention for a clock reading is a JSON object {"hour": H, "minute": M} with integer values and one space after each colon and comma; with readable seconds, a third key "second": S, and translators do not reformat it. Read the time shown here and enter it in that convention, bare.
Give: {"hour": 10, "minute": 31, "second": 55}
